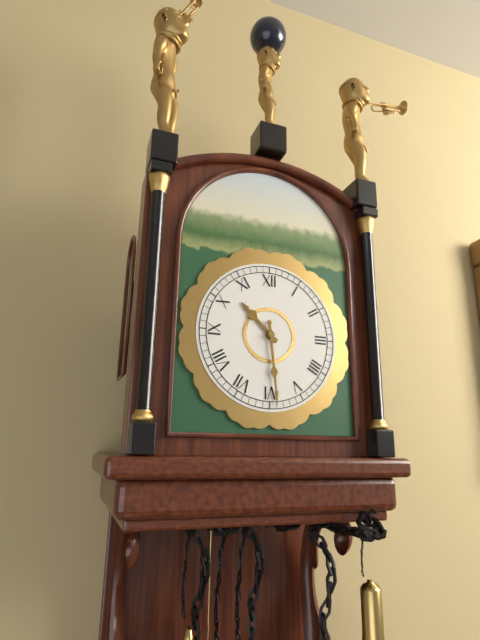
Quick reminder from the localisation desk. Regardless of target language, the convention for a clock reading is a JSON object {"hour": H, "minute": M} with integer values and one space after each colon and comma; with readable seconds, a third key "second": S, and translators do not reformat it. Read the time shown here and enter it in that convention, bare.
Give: {"hour": 10, "minute": 29}
